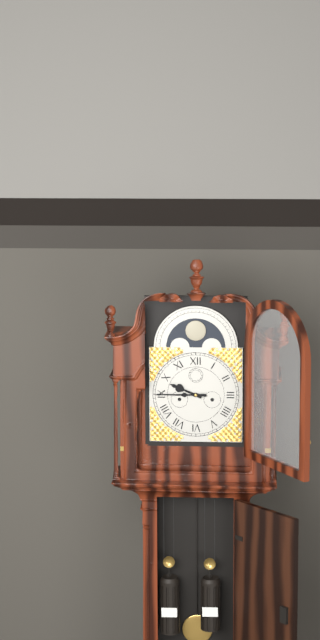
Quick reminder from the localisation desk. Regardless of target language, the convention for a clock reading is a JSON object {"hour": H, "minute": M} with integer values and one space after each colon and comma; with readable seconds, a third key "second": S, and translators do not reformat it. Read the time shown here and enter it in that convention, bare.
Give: {"hour": 9, "minute": 45}
